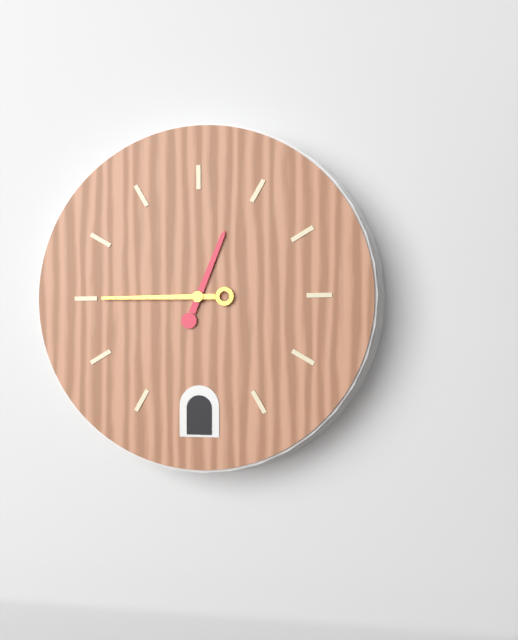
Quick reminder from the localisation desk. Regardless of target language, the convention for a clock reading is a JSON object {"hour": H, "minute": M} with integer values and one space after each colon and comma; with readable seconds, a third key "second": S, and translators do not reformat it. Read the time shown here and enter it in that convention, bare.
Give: {"hour": 12, "minute": 45}
